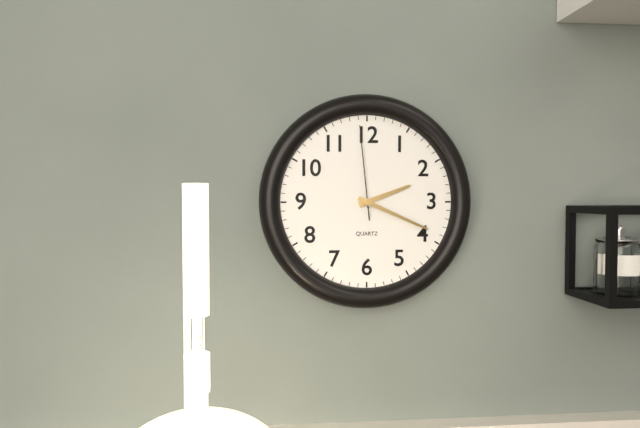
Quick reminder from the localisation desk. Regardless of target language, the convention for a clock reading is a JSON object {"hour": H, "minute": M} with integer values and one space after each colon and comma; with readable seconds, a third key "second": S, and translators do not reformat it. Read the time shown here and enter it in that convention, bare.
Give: {"hour": 2, "minute": 19, "second": 59}
